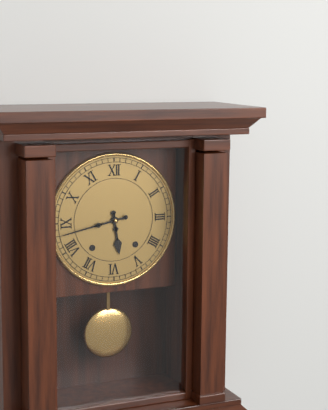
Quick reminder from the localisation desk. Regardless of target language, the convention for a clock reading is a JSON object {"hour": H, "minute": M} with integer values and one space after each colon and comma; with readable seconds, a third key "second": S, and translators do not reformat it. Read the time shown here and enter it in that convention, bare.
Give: {"hour": 5, "minute": 43}
